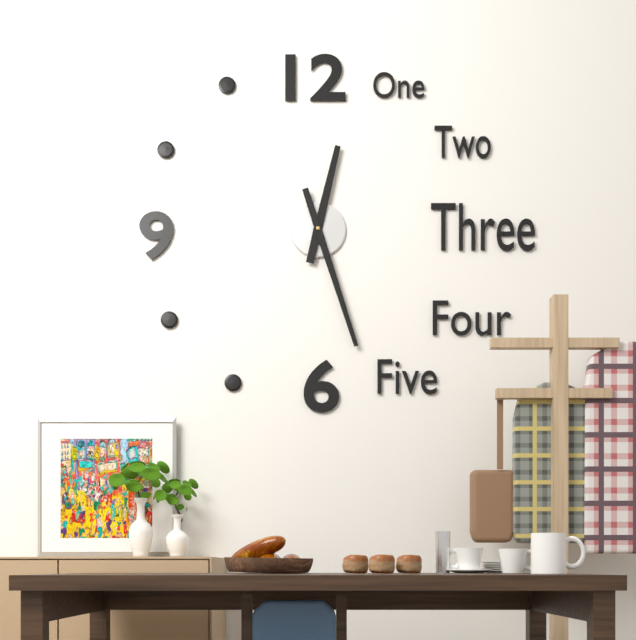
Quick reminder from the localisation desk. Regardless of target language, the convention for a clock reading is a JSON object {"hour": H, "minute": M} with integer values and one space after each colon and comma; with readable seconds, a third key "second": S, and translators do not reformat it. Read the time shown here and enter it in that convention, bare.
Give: {"hour": 12, "minute": 27}
